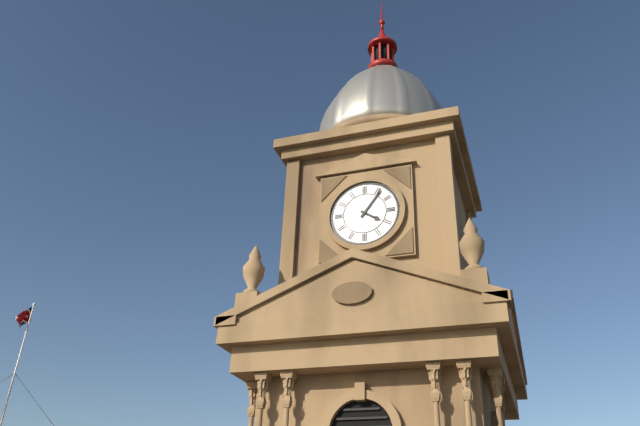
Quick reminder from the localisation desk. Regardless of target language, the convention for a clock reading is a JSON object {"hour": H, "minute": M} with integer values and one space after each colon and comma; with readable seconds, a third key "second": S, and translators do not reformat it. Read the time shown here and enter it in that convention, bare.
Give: {"hour": 4, "minute": 6}
